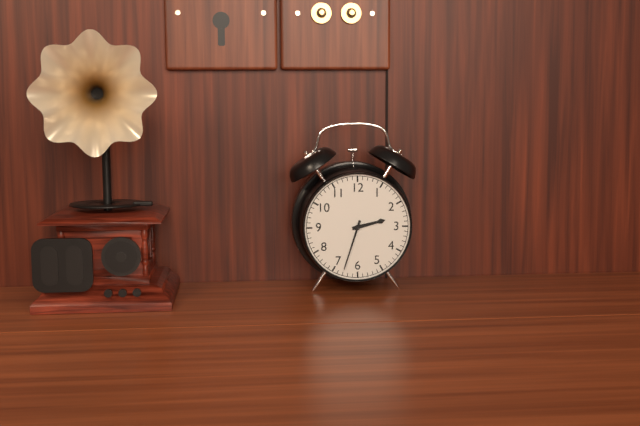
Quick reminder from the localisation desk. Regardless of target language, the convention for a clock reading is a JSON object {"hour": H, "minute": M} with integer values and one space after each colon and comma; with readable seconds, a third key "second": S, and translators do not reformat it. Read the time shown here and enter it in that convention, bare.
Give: {"hour": 2, "minute": 33}
